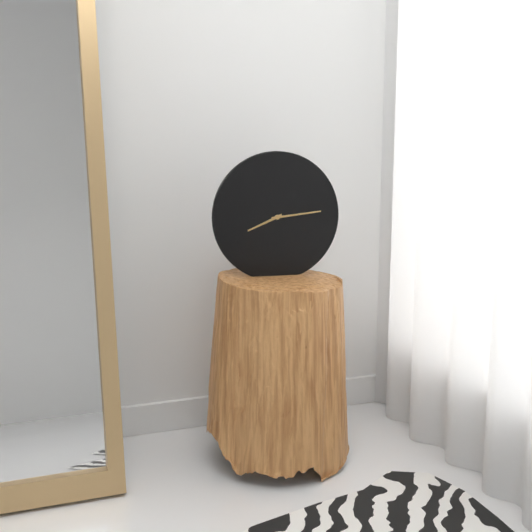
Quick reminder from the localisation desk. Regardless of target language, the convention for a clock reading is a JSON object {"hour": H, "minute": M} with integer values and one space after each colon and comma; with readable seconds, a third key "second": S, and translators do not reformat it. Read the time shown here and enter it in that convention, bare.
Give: {"hour": 8, "minute": 14}
